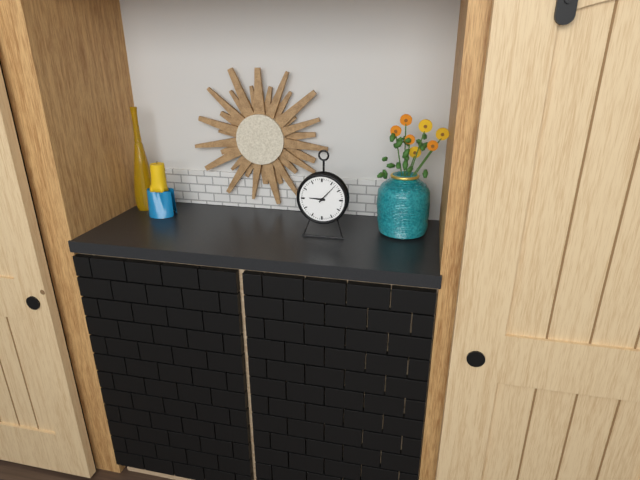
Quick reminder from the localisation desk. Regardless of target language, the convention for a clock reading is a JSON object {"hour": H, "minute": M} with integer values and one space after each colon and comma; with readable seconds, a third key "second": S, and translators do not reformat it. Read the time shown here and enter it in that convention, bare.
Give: {"hour": 9, "minute": 7}
